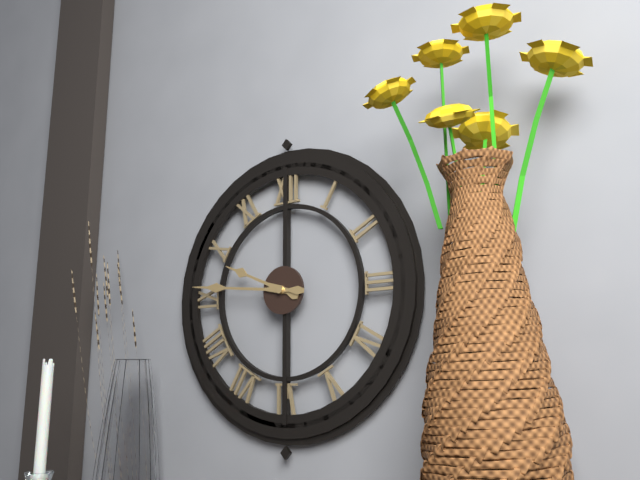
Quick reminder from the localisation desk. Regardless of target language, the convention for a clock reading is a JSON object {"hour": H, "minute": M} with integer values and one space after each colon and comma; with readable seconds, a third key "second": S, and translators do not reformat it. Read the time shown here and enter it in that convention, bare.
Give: {"hour": 9, "minute": 46}
